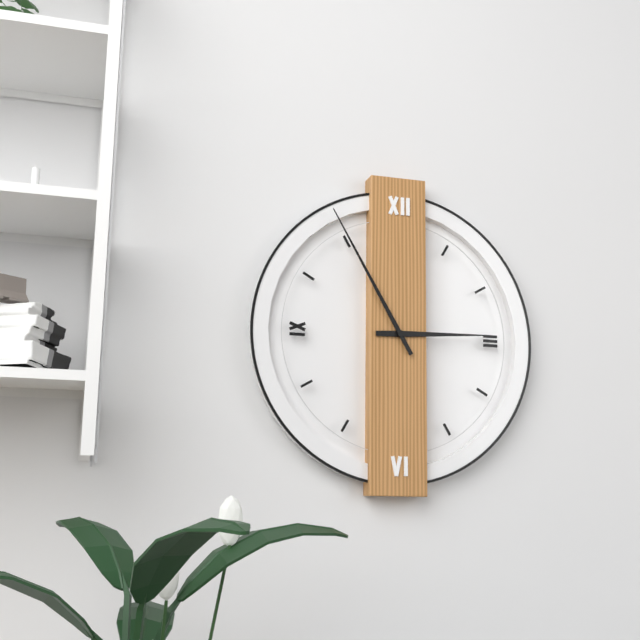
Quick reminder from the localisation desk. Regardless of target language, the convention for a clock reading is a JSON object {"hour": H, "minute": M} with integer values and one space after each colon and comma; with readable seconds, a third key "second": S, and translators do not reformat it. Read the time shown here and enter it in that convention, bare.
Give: {"hour": 2, "minute": 55}
